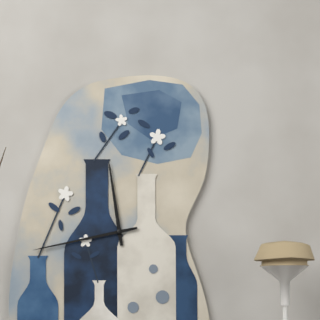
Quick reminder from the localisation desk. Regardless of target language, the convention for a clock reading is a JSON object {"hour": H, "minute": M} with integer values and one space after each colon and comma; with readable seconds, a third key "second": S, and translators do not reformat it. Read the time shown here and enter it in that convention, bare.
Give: {"hour": 11, "minute": 43}
